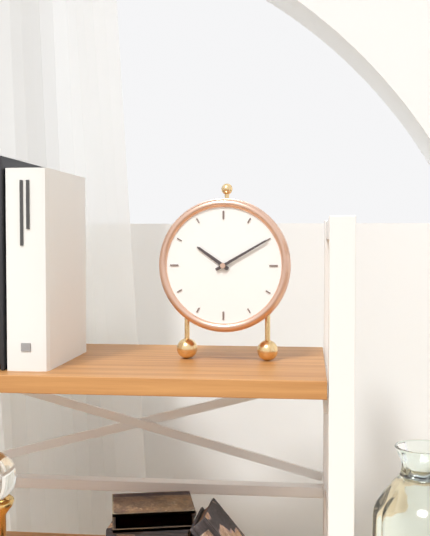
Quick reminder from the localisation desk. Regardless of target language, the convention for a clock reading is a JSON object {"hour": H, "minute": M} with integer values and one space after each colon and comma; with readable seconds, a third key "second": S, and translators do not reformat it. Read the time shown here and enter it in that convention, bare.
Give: {"hour": 10, "minute": 10}
